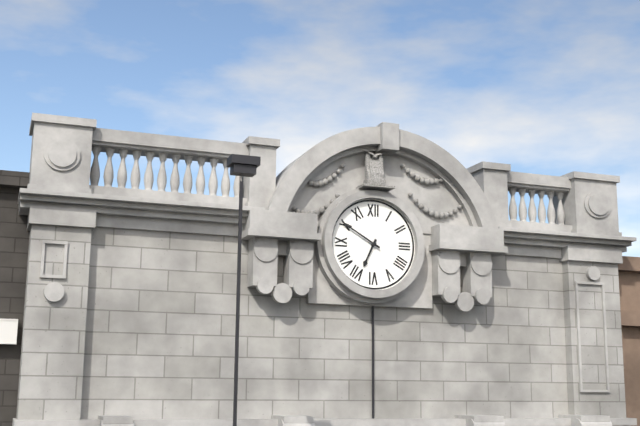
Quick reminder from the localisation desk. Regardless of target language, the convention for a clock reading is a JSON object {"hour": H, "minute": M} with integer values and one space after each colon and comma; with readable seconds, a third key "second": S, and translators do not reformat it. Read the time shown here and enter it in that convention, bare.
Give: {"hour": 6, "minute": 50}
